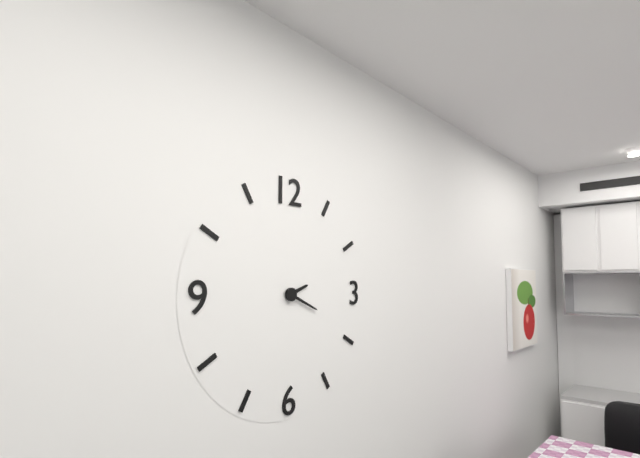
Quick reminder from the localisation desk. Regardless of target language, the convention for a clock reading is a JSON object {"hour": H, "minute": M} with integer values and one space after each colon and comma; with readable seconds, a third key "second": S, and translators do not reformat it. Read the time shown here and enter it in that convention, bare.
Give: {"hour": 2, "minute": 19}
